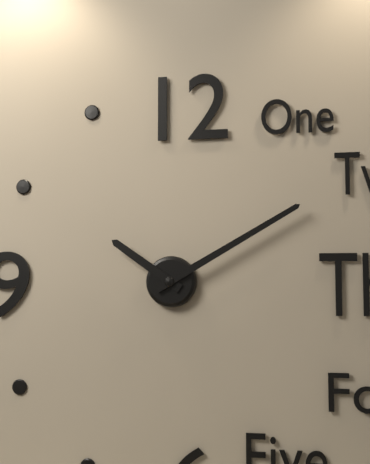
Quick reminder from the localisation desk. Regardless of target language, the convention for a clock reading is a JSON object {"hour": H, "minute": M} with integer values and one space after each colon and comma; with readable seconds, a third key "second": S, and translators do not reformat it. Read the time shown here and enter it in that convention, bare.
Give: {"hour": 10, "minute": 10}
